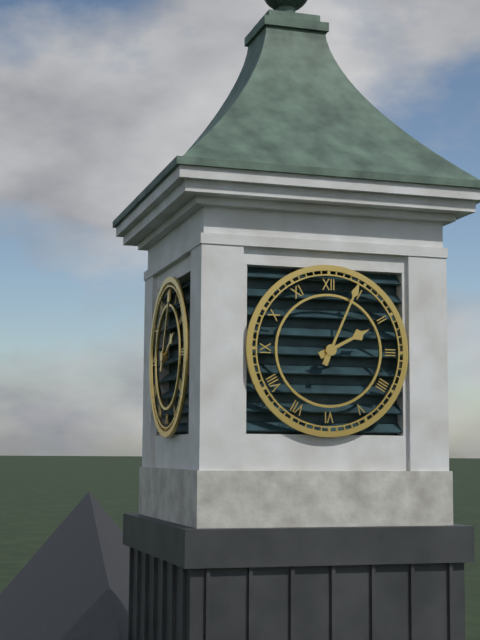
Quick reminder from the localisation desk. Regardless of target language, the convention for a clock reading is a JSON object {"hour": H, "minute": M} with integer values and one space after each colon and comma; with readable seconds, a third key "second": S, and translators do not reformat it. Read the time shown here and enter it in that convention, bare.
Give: {"hour": 2, "minute": 4}
